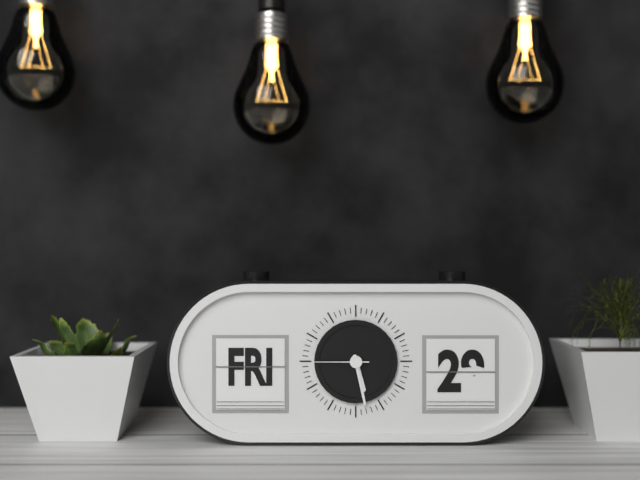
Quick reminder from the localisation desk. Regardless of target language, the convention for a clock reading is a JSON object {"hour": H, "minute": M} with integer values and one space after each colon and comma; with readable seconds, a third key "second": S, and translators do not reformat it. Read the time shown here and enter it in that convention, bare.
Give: {"hour": 5, "minute": 28, "second": 45}
